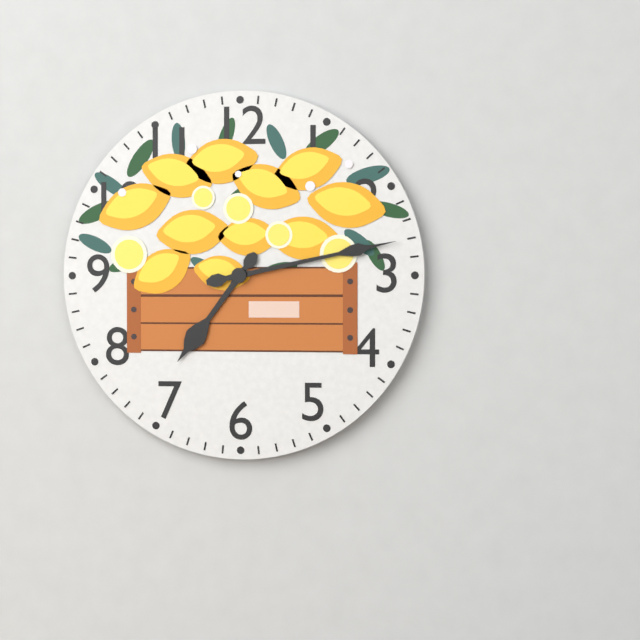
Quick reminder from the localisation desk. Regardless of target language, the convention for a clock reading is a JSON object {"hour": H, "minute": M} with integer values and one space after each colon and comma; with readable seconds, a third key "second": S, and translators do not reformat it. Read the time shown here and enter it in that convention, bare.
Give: {"hour": 7, "minute": 13}
